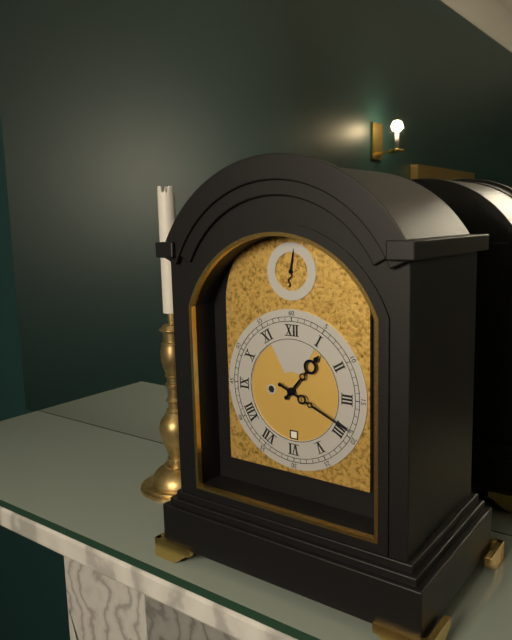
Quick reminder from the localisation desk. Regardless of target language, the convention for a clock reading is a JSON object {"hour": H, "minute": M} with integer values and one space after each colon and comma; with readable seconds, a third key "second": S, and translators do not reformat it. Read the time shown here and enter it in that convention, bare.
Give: {"hour": 1, "minute": 19}
